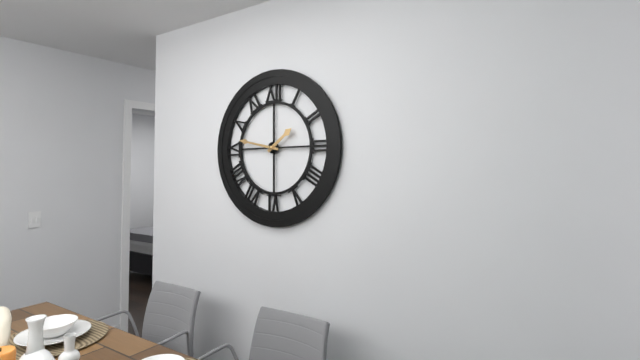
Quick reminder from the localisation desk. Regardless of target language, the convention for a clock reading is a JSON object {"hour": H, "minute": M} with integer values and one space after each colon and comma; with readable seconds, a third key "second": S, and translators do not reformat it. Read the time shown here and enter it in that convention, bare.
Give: {"hour": 1, "minute": 47}
